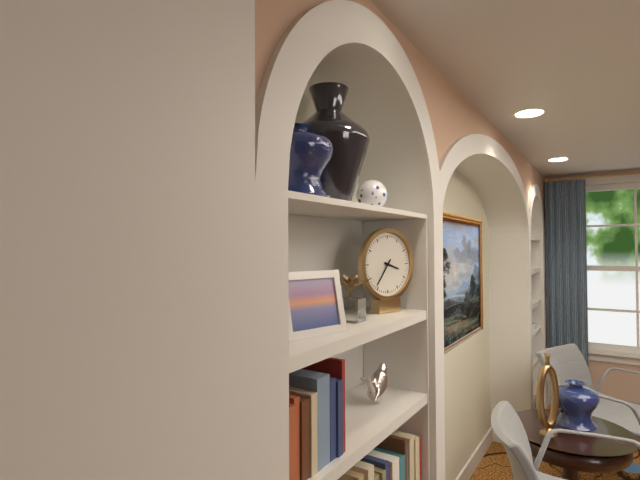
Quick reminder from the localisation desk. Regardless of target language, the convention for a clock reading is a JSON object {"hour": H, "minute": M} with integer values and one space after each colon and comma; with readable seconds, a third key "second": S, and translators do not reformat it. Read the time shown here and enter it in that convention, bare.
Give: {"hour": 3, "minute": 36}
